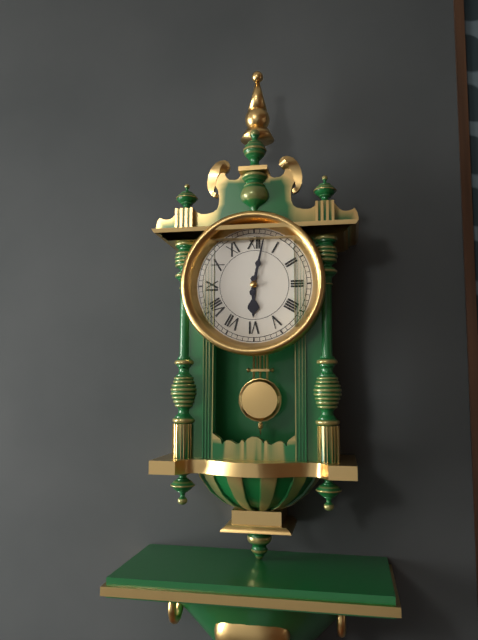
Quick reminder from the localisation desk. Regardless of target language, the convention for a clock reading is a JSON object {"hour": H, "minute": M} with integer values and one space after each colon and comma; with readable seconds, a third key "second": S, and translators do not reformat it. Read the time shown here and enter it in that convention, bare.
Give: {"hour": 6, "minute": 2}
